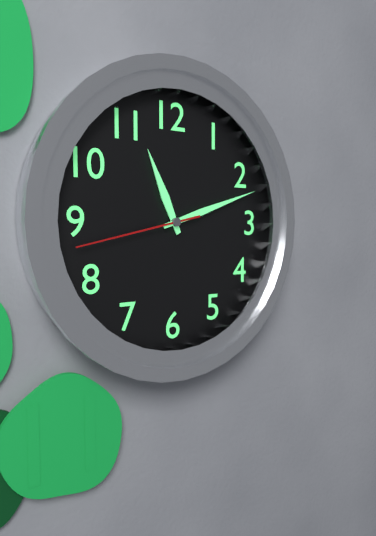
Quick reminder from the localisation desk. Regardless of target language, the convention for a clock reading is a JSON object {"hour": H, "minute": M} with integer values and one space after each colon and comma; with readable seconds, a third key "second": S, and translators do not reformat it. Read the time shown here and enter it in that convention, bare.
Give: {"hour": 11, "minute": 12, "second": 43}
